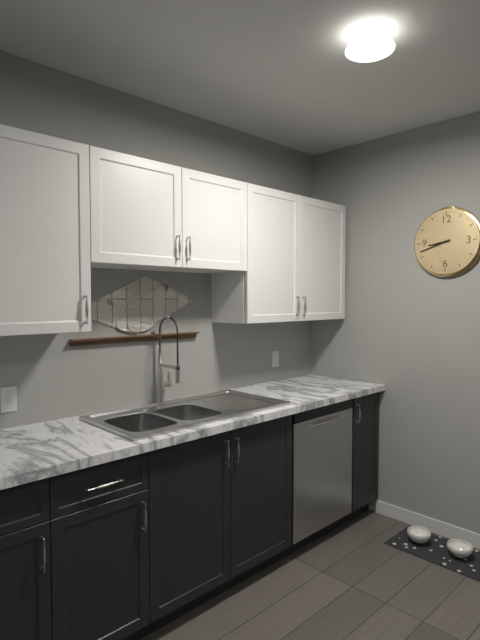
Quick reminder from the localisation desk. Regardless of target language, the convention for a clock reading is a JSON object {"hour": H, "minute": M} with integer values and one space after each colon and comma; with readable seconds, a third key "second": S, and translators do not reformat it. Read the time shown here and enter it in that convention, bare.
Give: {"hour": 8, "minute": 42}
